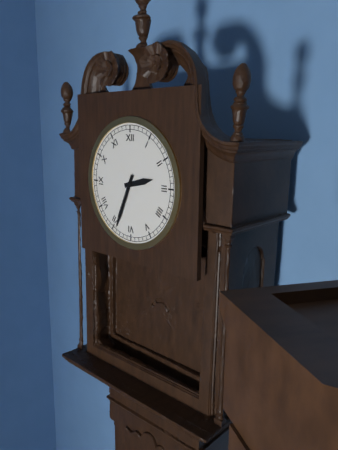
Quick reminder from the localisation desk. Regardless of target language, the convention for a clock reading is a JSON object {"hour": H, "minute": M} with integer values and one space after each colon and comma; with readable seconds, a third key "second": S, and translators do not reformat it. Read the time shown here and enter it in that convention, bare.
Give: {"hour": 2, "minute": 34}
